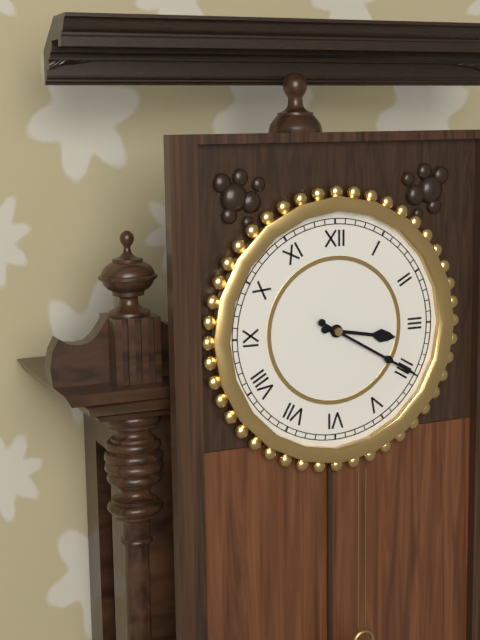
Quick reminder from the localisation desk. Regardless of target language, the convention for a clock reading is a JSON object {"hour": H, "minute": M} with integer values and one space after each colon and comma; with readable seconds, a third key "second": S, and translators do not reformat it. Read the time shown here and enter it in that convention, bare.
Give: {"hour": 3, "minute": 20}
